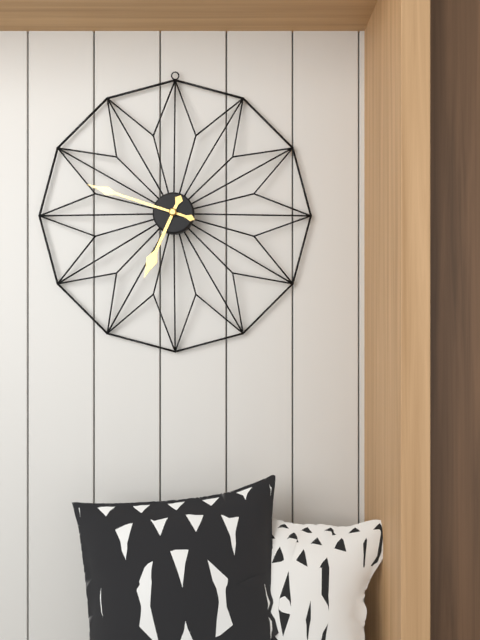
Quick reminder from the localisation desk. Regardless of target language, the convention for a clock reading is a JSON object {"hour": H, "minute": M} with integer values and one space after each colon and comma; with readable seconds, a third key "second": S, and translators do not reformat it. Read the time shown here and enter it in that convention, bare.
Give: {"hour": 6, "minute": 48}
